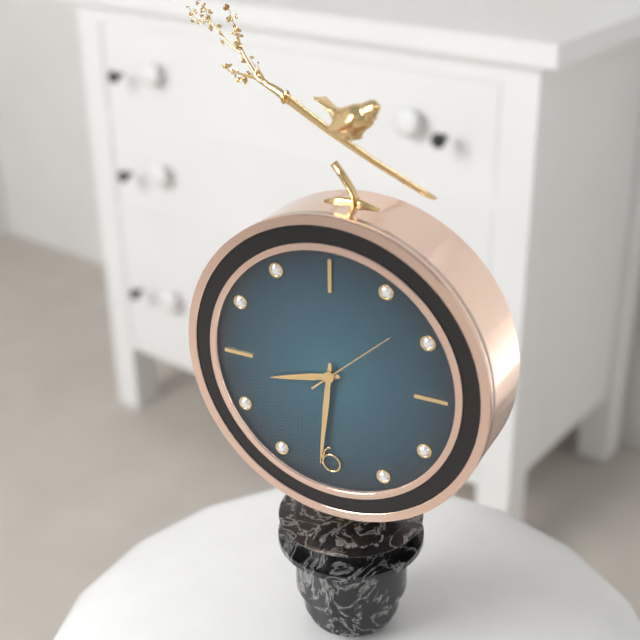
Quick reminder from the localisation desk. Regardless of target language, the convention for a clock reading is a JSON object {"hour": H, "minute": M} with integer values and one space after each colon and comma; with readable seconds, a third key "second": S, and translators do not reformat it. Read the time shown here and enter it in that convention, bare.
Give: {"hour": 8, "minute": 31, "second": 8}
